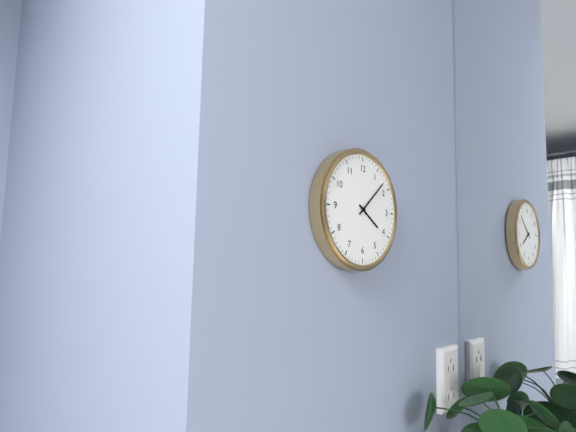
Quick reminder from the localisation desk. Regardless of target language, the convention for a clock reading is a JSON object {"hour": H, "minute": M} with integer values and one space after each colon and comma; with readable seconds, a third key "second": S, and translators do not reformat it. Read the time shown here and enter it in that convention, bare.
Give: {"hour": 4, "minute": 8}
